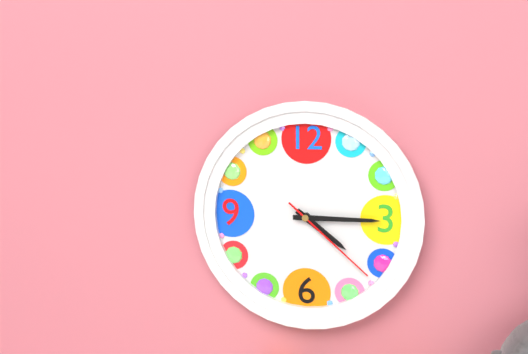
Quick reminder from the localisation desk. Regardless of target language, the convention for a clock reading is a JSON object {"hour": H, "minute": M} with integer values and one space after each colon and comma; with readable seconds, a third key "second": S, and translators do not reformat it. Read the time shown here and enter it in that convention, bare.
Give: {"hour": 4, "minute": 15, "second": 22}
